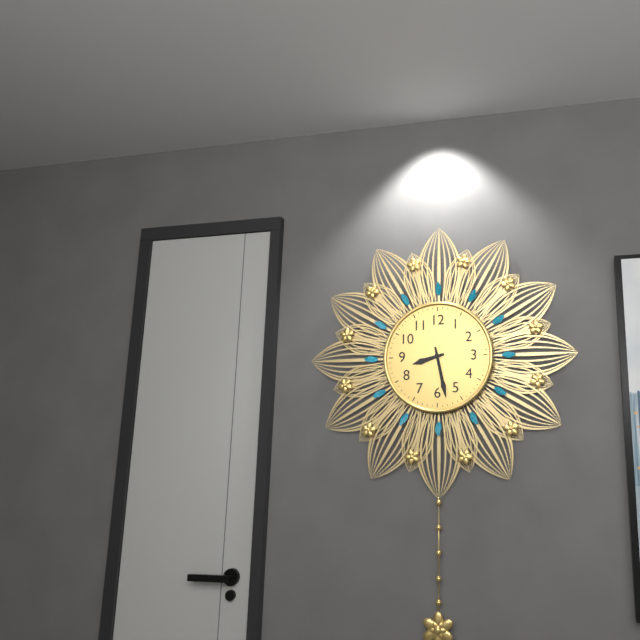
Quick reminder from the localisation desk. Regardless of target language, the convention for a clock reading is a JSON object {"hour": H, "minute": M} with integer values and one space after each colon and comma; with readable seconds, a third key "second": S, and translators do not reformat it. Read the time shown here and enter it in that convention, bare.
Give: {"hour": 8, "minute": 28}
